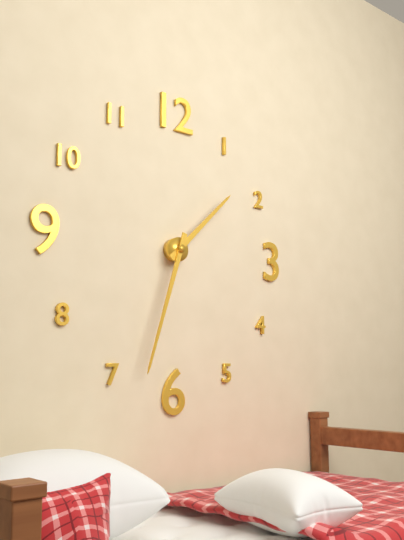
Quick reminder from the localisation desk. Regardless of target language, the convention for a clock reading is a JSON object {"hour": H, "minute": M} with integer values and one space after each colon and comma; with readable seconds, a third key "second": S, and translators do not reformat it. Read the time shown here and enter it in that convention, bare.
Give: {"hour": 1, "minute": 33}
